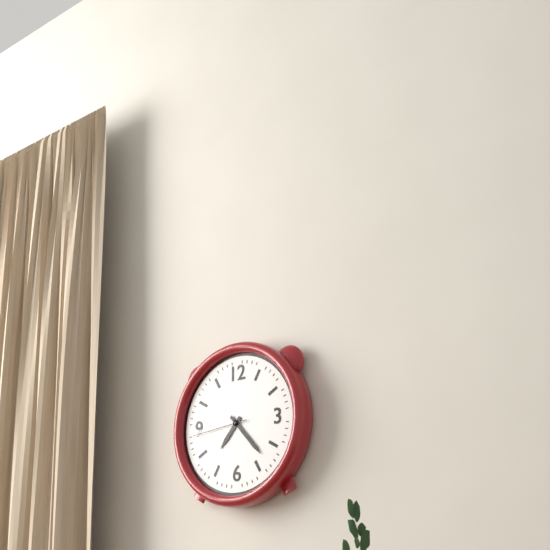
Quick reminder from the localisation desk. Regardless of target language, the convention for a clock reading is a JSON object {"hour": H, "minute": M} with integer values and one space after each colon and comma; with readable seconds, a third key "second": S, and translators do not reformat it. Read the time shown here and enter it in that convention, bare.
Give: {"hour": 7, "minute": 23, "second": 44}
